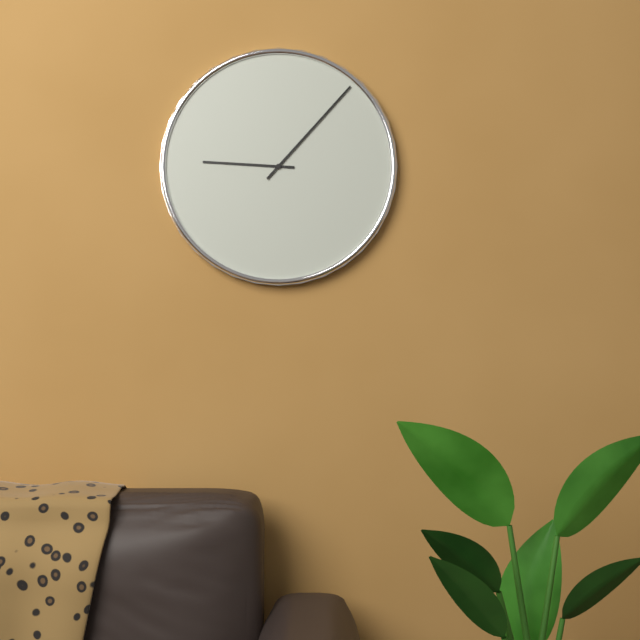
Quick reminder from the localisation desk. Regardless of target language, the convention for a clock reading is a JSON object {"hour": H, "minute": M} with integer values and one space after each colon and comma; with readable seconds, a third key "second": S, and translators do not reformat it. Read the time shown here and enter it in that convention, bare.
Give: {"hour": 9, "minute": 7}
